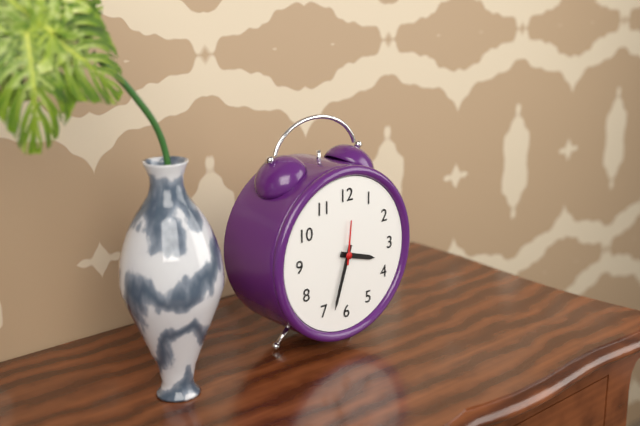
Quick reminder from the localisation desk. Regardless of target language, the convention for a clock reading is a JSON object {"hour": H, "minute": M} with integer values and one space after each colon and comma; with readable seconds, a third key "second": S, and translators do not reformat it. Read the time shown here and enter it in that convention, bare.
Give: {"hour": 3, "minute": 33}
